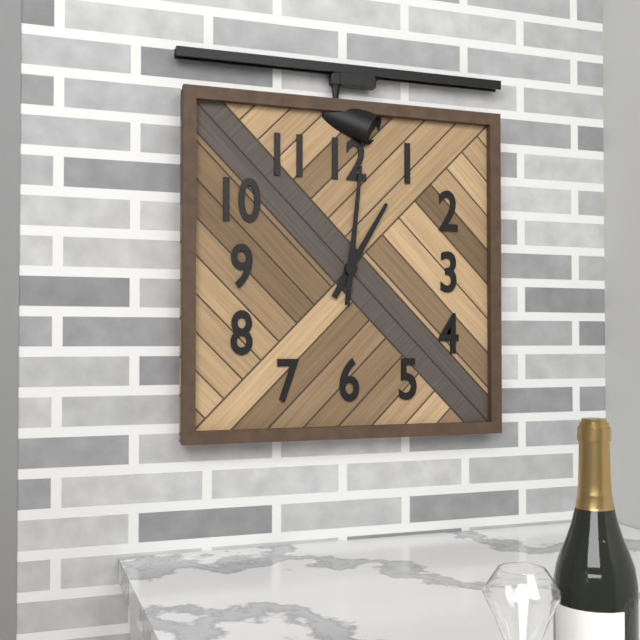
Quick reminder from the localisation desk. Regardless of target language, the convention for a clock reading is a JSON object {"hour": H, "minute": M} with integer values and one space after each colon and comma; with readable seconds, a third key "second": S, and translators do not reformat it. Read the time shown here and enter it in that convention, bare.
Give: {"hour": 1, "minute": 1}
